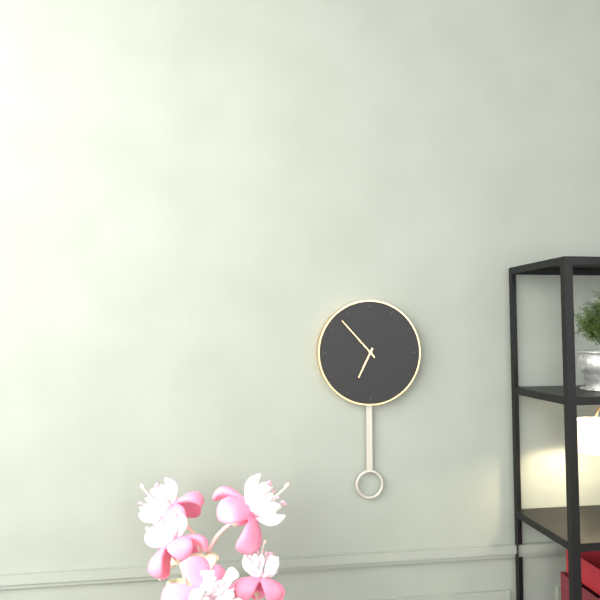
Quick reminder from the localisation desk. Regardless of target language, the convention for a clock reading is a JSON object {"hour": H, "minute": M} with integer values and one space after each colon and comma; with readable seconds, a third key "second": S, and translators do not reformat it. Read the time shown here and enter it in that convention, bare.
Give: {"hour": 6, "minute": 53}
